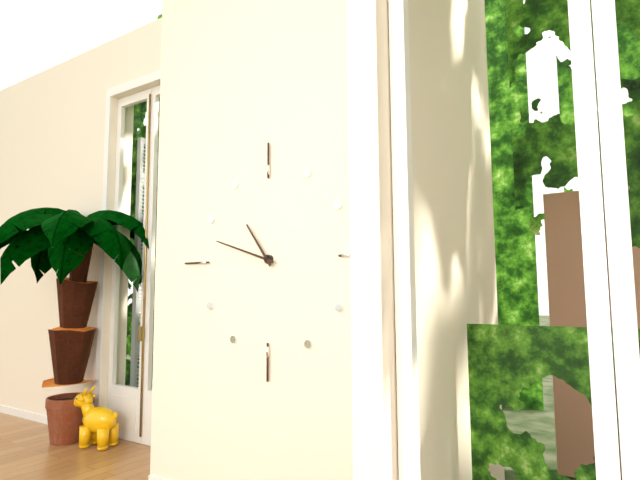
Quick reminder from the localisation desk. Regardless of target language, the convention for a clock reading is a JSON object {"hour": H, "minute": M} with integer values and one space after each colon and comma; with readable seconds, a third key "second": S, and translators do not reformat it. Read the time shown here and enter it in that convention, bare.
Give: {"hour": 10, "minute": 48}
